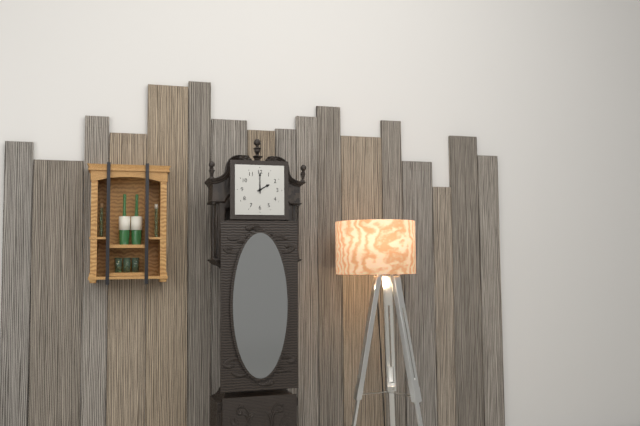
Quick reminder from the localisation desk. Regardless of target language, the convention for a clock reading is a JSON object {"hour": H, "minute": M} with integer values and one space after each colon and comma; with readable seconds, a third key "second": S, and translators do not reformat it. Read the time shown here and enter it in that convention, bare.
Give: {"hour": 2, "minute": 0}
